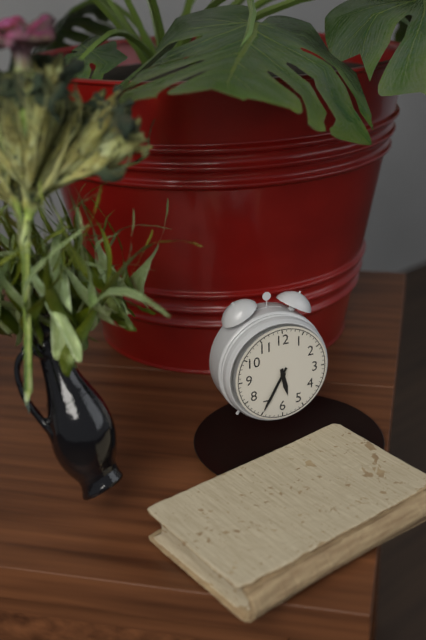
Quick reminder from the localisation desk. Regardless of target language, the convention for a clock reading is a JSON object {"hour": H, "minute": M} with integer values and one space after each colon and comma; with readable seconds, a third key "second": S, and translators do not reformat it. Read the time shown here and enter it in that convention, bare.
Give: {"hour": 5, "minute": 35}
